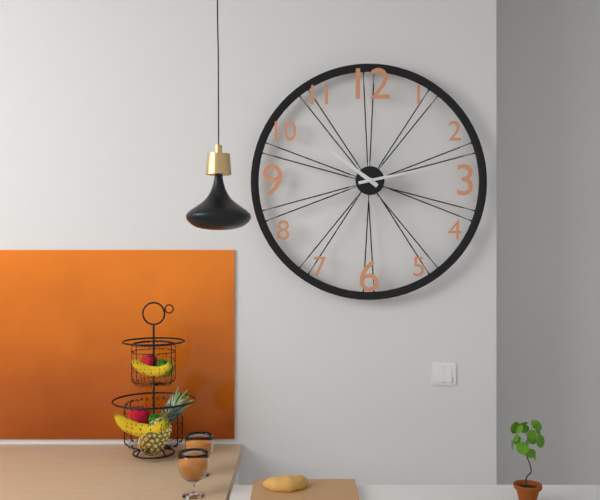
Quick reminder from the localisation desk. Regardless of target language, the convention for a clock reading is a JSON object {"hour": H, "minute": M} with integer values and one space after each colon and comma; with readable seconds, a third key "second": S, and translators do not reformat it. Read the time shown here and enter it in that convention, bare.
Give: {"hour": 10, "minute": 13}
